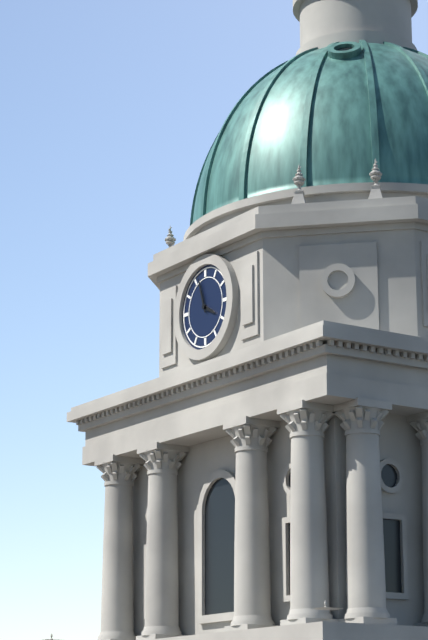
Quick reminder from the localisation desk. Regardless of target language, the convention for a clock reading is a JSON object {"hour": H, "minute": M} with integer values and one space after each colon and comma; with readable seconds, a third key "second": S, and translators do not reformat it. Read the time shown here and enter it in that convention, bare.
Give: {"hour": 3, "minute": 57}
